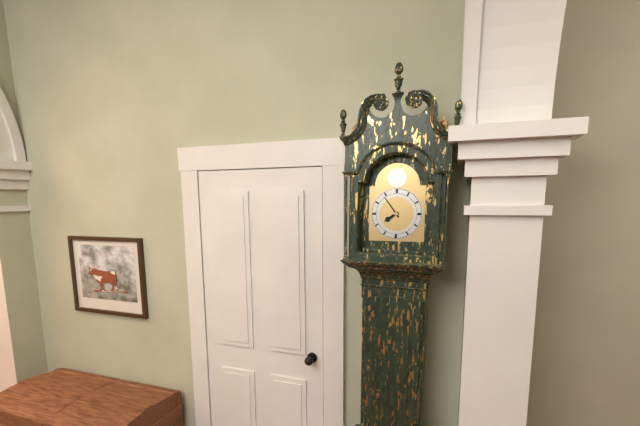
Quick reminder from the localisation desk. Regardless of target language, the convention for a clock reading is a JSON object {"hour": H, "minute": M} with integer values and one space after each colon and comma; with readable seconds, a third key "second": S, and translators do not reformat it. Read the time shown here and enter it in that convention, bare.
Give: {"hour": 7, "minute": 54}
